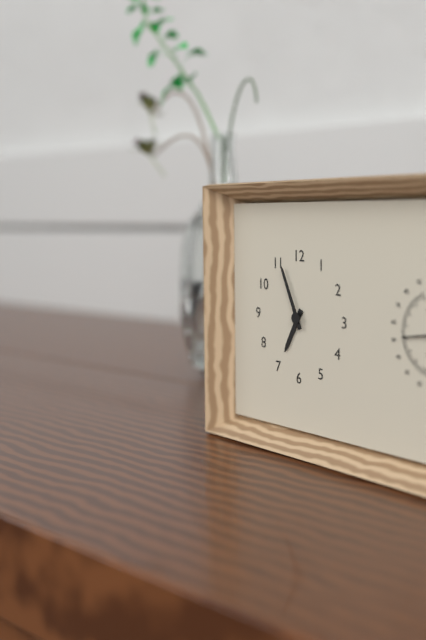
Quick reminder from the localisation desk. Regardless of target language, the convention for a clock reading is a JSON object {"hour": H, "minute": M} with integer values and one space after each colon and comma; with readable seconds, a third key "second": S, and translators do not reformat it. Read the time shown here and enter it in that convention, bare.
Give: {"hour": 6, "minute": 56}
